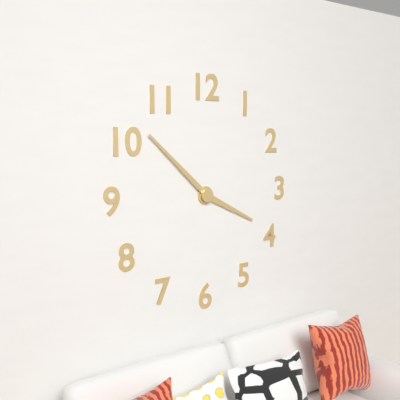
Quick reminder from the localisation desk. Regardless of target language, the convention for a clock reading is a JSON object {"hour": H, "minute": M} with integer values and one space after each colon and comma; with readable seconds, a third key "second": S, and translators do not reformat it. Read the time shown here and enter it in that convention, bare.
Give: {"hour": 3, "minute": 52}
